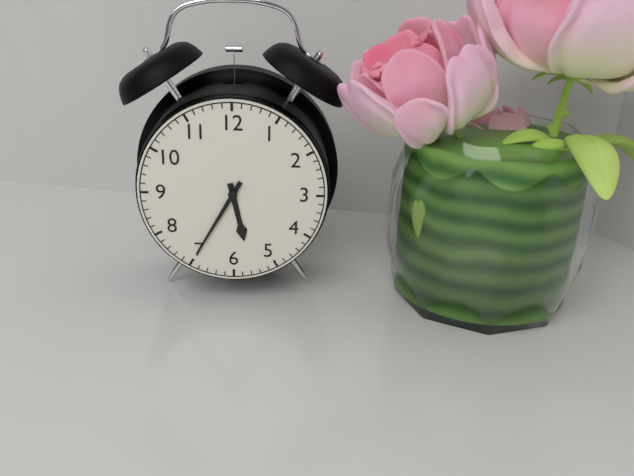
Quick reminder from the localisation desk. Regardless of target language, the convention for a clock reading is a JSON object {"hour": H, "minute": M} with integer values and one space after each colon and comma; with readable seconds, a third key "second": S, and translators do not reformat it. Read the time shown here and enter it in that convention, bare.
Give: {"hour": 5, "minute": 35}
